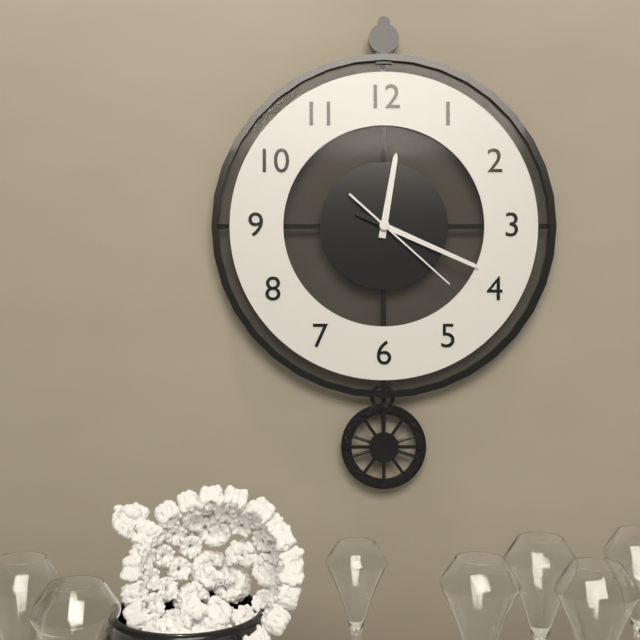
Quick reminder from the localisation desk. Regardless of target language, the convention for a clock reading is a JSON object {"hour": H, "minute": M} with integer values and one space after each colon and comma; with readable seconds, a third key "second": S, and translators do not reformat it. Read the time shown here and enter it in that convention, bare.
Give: {"hour": 12, "minute": 19, "second": 22}
